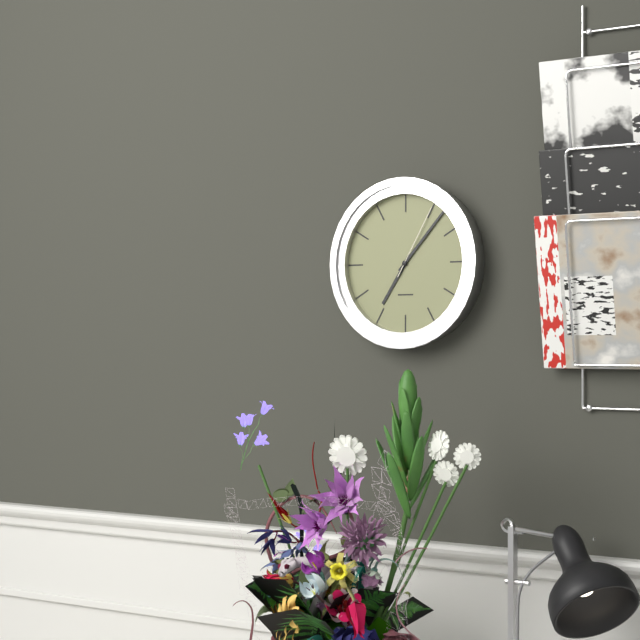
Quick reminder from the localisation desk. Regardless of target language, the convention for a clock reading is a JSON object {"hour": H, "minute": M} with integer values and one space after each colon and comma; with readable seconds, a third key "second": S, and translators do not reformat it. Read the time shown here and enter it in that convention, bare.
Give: {"hour": 7, "minute": 7, "second": 5}
